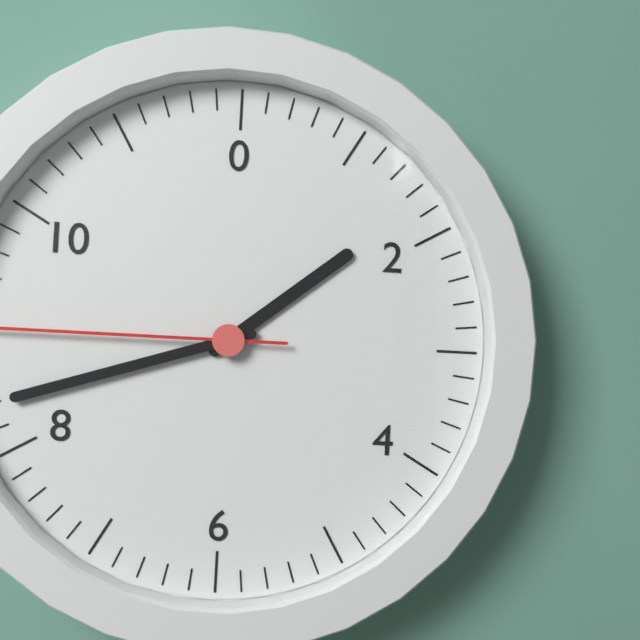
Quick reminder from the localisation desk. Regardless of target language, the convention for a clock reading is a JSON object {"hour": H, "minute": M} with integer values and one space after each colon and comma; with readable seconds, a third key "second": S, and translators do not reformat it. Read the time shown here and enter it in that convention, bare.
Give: {"hour": 1, "minute": 42}
